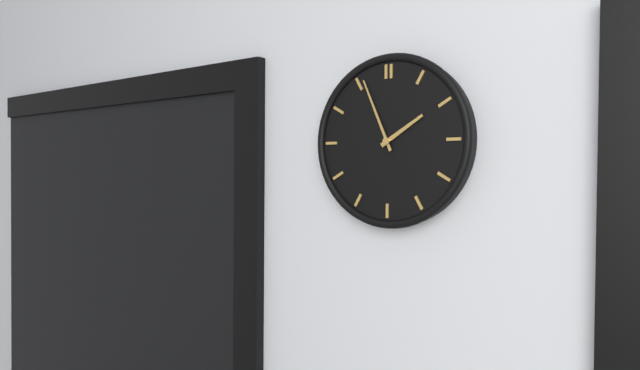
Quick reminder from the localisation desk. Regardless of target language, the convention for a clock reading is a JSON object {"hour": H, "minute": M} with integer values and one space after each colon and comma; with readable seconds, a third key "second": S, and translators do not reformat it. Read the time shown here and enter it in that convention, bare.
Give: {"hour": 1, "minute": 56}
